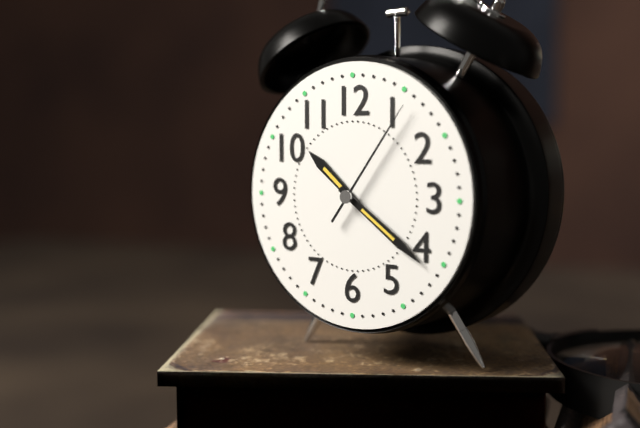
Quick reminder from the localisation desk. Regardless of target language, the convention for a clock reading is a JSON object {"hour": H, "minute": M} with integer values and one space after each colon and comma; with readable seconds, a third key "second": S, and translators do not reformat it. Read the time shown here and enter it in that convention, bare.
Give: {"hour": 10, "minute": 21, "second": 6}
